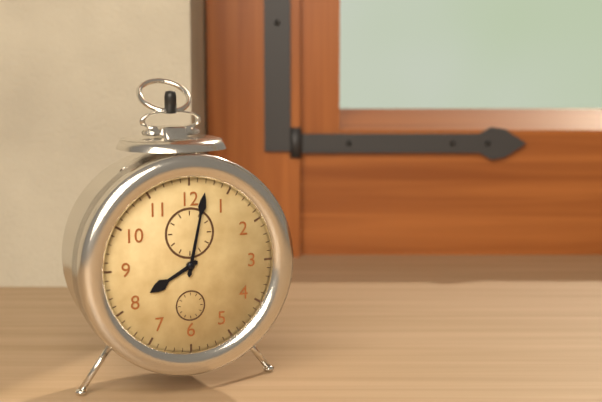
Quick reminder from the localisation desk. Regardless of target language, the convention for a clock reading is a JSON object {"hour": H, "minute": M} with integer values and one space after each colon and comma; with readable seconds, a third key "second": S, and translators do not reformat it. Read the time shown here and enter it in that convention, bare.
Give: {"hour": 8, "minute": 2}
